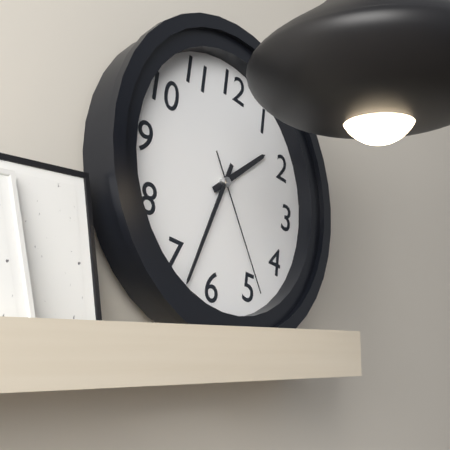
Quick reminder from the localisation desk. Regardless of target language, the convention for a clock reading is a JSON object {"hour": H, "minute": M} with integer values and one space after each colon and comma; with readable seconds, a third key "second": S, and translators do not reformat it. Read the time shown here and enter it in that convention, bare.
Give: {"hour": 1, "minute": 33, "second": 24}
